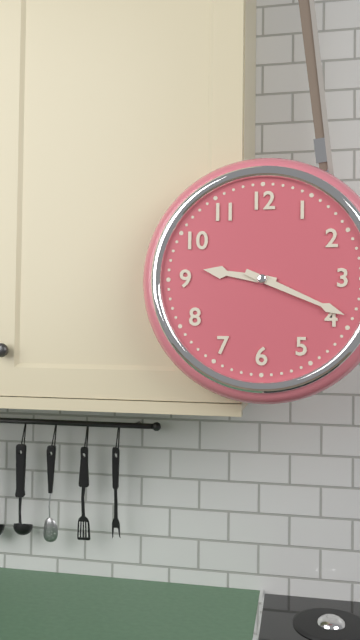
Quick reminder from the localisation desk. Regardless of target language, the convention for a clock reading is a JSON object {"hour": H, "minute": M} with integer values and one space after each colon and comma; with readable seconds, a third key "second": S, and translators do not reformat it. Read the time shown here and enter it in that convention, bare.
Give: {"hour": 9, "minute": 19}
